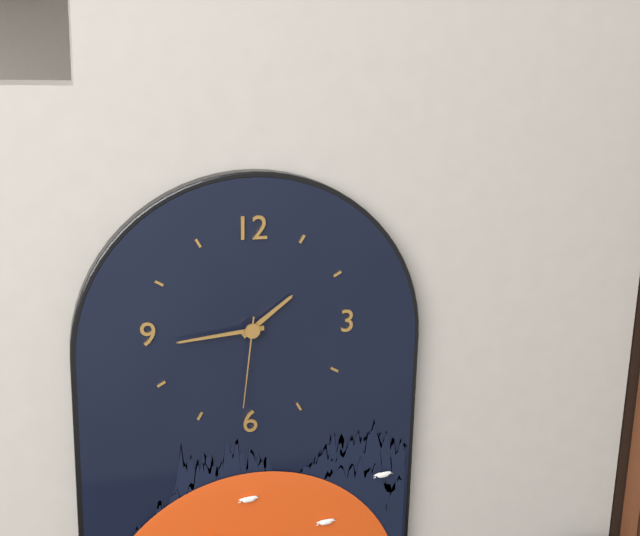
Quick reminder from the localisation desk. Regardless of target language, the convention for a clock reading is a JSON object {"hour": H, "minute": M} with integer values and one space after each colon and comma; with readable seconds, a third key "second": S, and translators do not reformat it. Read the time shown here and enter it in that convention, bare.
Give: {"hour": 1, "minute": 44, "second": 31}
